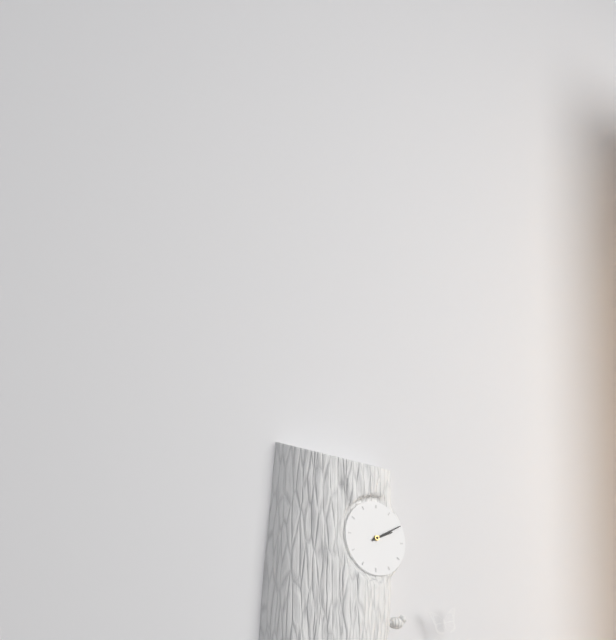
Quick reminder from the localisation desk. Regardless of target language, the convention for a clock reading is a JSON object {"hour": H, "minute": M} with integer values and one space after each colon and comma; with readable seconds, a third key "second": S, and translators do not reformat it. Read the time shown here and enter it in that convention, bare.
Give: {"hour": 2, "minute": 10}
